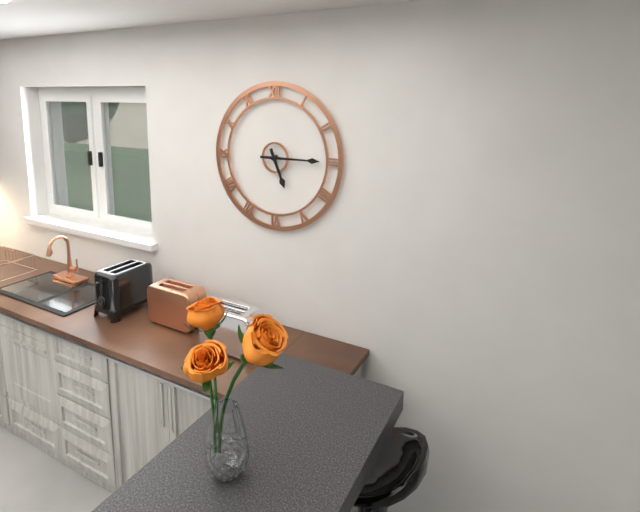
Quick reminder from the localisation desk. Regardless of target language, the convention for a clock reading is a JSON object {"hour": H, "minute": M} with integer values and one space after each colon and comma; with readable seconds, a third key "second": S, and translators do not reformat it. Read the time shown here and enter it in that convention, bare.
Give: {"hour": 5, "minute": 15}
